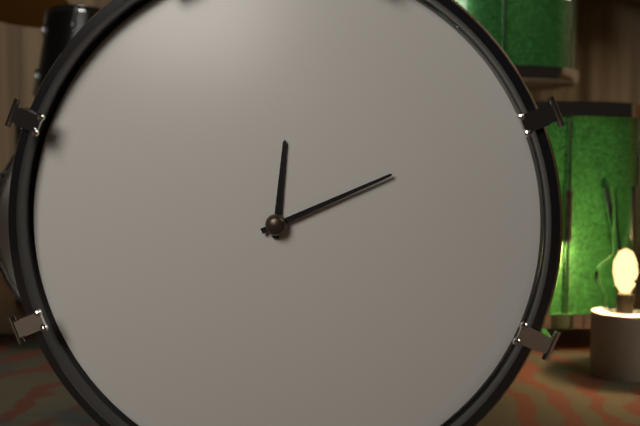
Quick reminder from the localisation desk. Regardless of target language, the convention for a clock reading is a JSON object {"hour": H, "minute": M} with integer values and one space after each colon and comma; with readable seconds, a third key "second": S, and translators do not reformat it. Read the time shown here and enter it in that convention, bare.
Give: {"hour": 12, "minute": 11}
